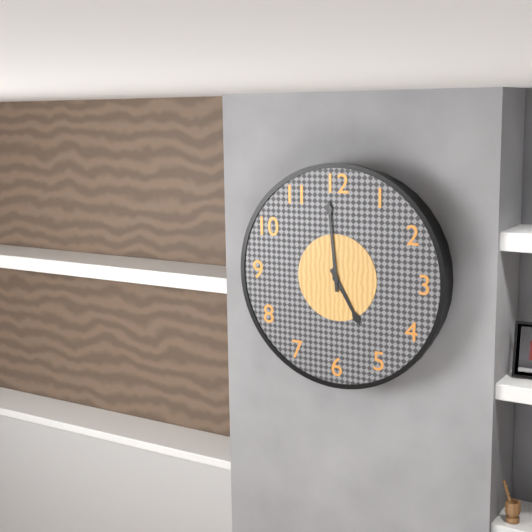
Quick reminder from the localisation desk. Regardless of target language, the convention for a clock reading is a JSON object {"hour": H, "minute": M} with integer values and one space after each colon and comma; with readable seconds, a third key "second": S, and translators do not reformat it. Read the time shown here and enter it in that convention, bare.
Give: {"hour": 4, "minute": 59}
